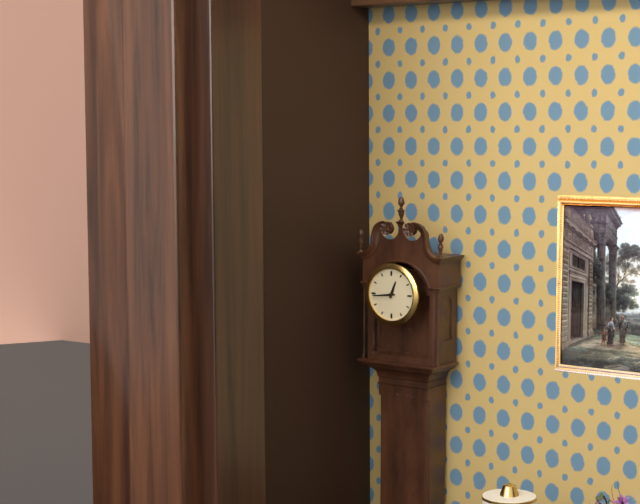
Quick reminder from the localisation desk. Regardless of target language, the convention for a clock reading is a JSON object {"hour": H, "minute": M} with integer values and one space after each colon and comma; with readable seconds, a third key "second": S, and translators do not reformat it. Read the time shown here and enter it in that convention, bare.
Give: {"hour": 12, "minute": 44}
